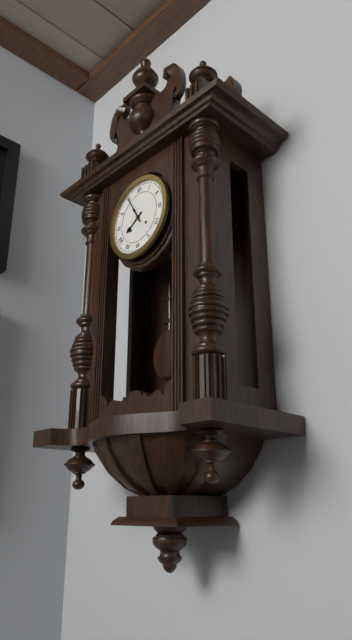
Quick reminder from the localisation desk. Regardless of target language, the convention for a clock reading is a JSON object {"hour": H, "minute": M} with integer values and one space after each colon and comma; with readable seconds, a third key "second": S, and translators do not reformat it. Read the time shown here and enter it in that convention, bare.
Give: {"hour": 7, "minute": 55}
